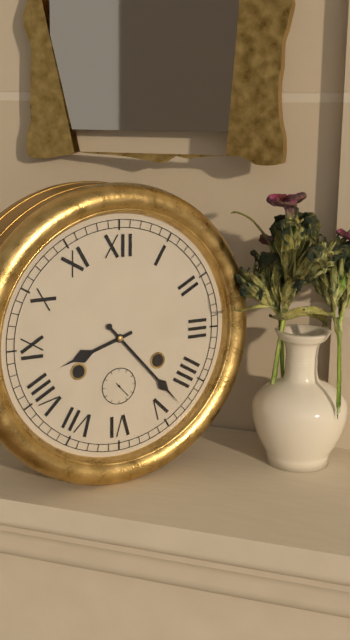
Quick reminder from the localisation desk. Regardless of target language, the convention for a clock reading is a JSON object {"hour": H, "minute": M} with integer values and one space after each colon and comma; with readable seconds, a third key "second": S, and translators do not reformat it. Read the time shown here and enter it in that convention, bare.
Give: {"hour": 8, "minute": 23}
